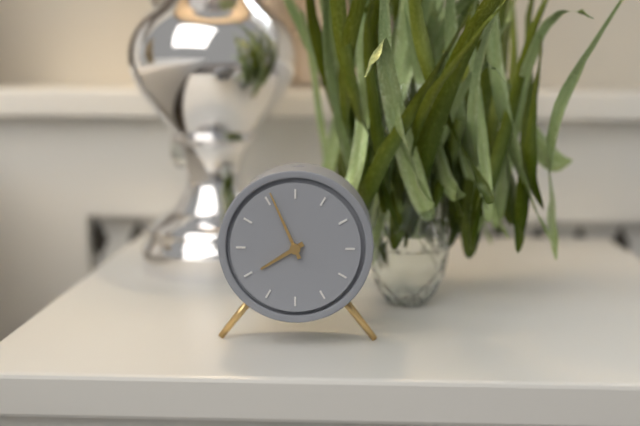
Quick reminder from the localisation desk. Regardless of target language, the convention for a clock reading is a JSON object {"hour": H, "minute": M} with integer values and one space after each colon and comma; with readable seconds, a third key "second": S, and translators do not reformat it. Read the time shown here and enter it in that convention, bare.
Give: {"hour": 7, "minute": 56}
